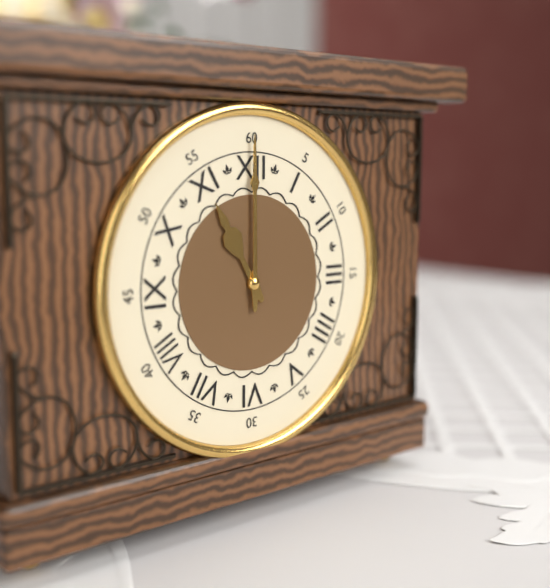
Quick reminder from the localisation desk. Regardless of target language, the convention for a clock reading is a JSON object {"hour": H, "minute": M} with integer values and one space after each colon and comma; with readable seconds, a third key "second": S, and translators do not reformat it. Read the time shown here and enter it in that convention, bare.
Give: {"hour": 11, "minute": 0}
